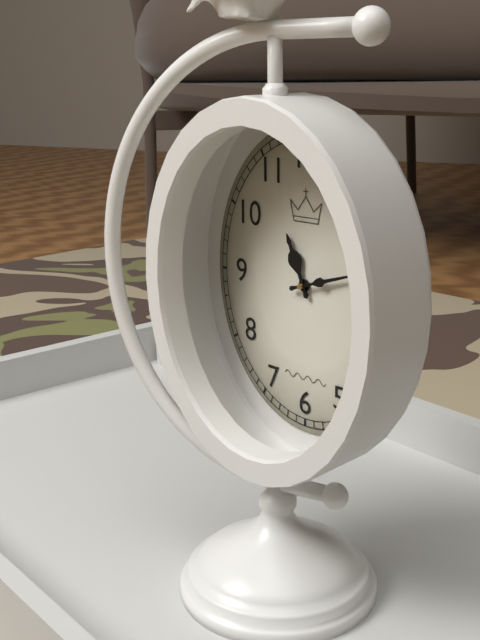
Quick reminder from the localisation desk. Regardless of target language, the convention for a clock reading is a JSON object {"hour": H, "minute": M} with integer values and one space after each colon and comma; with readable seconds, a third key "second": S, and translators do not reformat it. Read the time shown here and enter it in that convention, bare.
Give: {"hour": 11, "minute": 12}
